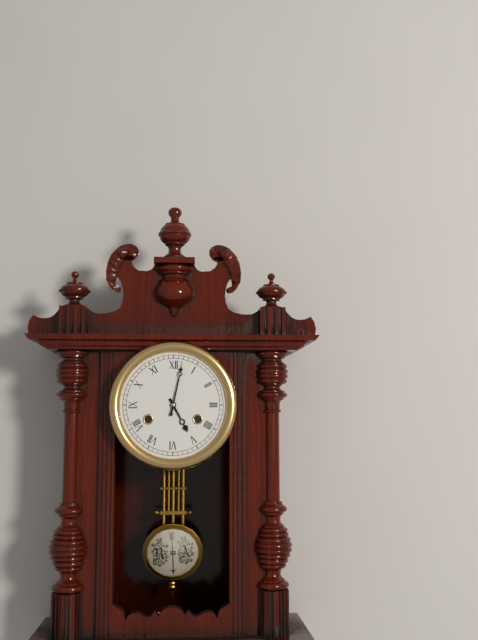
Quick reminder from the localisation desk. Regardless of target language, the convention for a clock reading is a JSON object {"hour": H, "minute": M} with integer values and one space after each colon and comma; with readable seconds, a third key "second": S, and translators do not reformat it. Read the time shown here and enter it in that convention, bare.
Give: {"hour": 5, "minute": 2}
